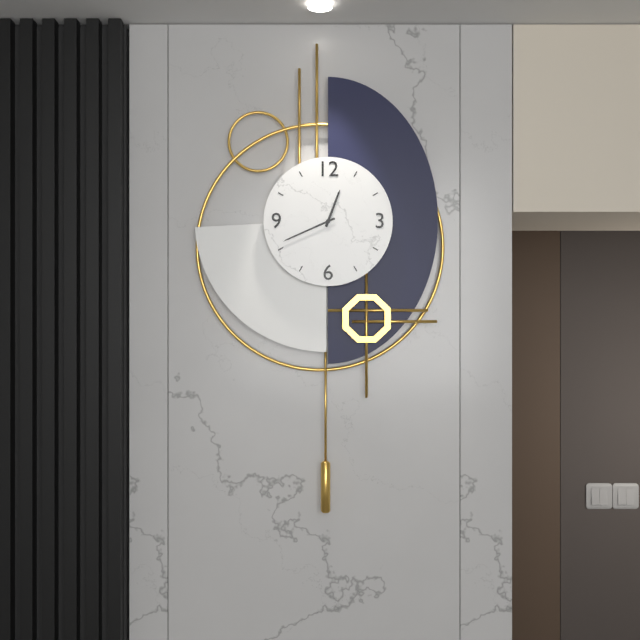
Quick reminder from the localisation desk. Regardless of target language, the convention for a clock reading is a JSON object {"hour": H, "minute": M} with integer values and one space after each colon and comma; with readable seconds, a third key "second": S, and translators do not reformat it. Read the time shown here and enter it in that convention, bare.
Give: {"hour": 12, "minute": 41}
